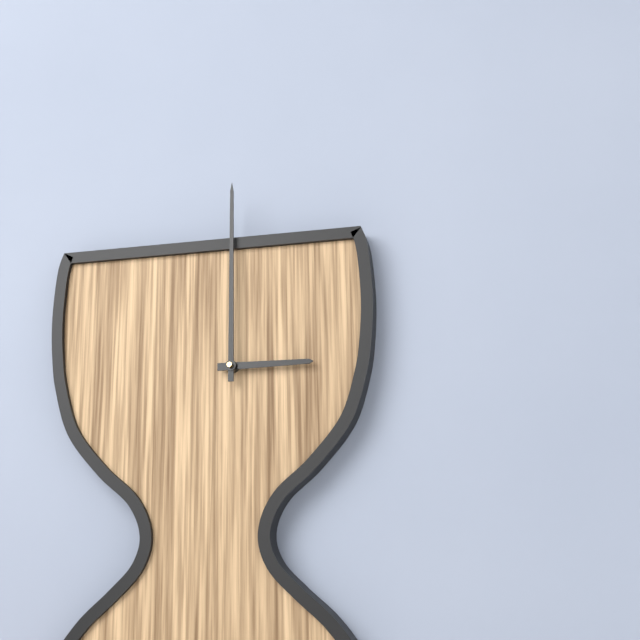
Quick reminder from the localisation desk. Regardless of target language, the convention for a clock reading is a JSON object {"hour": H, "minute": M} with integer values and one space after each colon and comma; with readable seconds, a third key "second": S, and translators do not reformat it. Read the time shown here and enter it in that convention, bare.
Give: {"hour": 3, "minute": 0}
